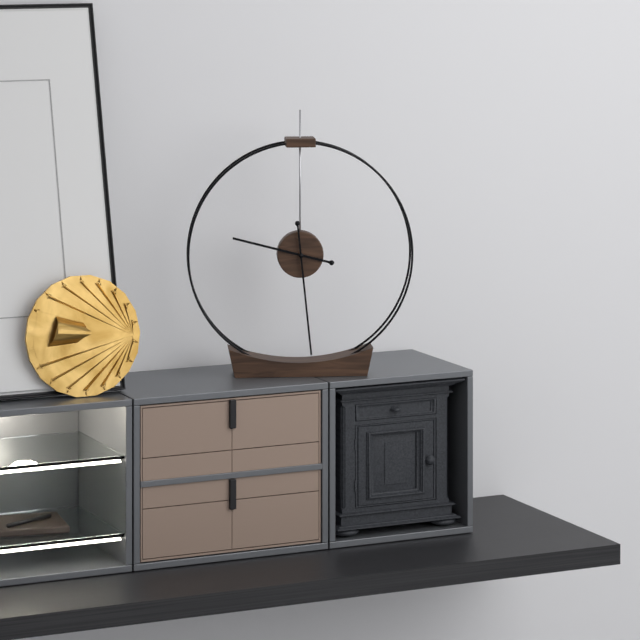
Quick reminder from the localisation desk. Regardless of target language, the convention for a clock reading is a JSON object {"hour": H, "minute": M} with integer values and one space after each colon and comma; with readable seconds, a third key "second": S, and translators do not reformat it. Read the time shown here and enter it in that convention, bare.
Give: {"hour": 9, "minute": 29}
